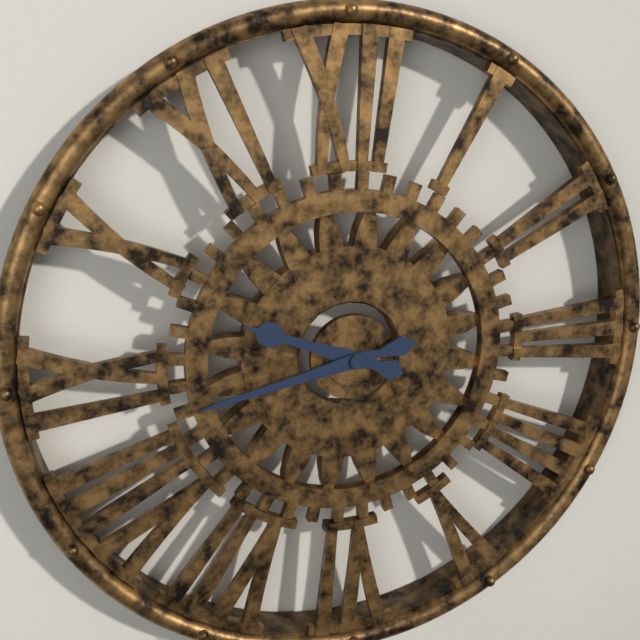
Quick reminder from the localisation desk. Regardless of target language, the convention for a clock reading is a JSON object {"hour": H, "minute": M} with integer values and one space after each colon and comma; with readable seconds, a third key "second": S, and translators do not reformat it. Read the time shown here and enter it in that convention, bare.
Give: {"hour": 9, "minute": 43}
